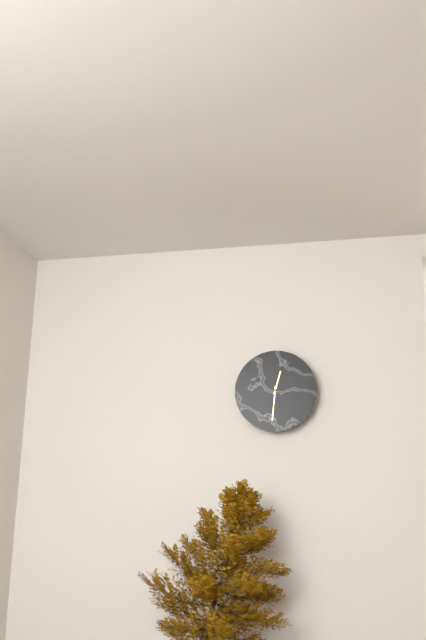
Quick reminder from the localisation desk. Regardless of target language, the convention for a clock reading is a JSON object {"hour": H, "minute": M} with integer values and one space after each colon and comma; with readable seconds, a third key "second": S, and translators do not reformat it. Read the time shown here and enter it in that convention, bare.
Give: {"hour": 12, "minute": 31}
